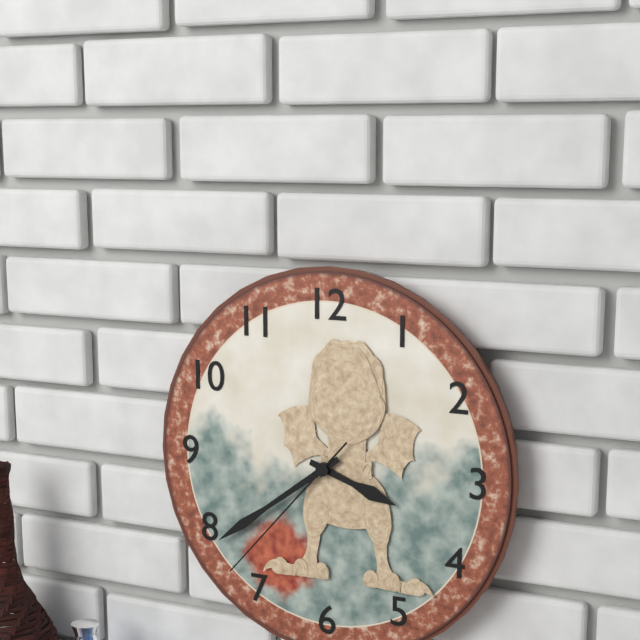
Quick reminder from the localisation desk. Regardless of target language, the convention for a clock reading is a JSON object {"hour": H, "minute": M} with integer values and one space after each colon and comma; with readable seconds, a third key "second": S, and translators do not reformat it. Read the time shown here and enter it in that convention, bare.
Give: {"hour": 3, "minute": 39, "second": 37}
